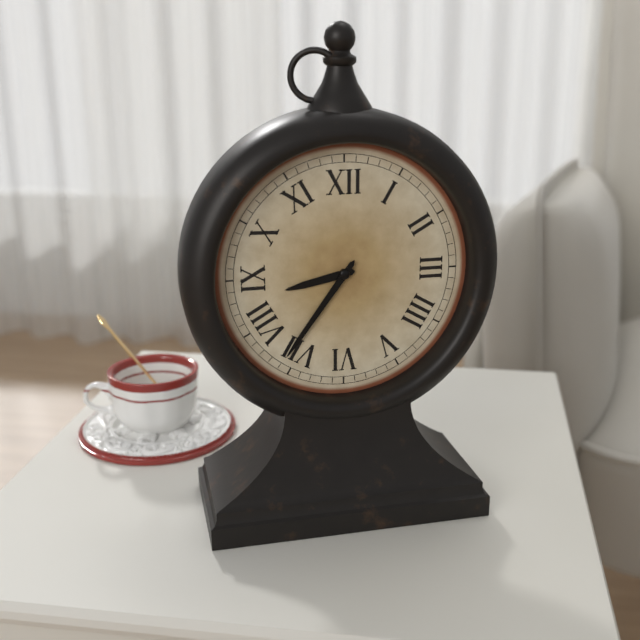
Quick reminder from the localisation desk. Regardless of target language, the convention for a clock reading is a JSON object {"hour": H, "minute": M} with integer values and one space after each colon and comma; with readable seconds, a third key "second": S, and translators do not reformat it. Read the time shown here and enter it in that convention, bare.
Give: {"hour": 8, "minute": 36}
